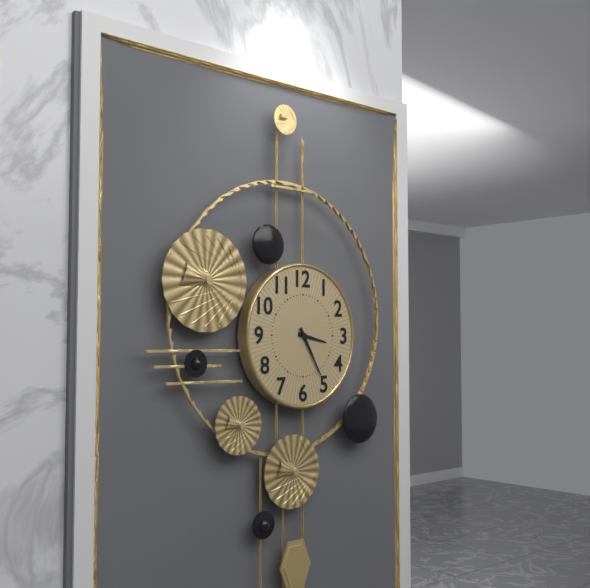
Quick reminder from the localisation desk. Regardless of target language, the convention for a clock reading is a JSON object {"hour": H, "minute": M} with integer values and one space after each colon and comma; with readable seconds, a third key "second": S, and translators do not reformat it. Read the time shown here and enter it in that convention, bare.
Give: {"hour": 3, "minute": 25}
